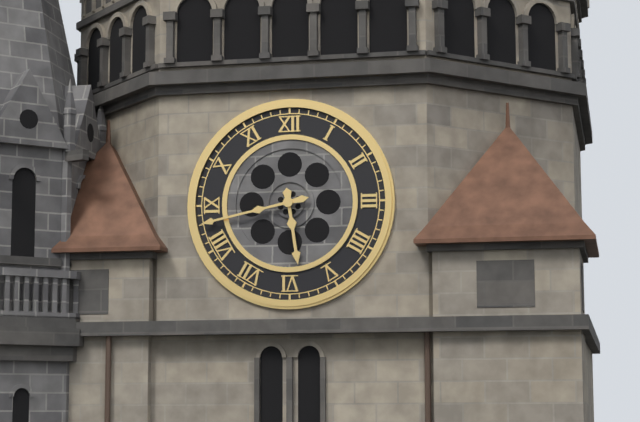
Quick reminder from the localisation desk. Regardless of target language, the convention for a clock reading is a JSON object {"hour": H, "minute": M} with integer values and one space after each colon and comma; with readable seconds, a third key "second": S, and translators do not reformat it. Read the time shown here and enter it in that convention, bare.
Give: {"hour": 5, "minute": 43}
